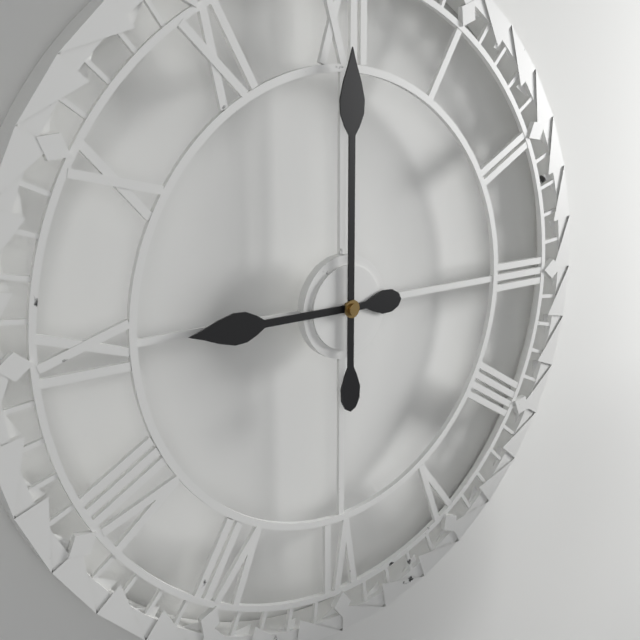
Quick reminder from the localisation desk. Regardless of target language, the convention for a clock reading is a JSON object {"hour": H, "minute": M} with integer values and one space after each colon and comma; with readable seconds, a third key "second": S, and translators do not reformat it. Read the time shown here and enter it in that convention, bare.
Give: {"hour": 9, "minute": 0}
